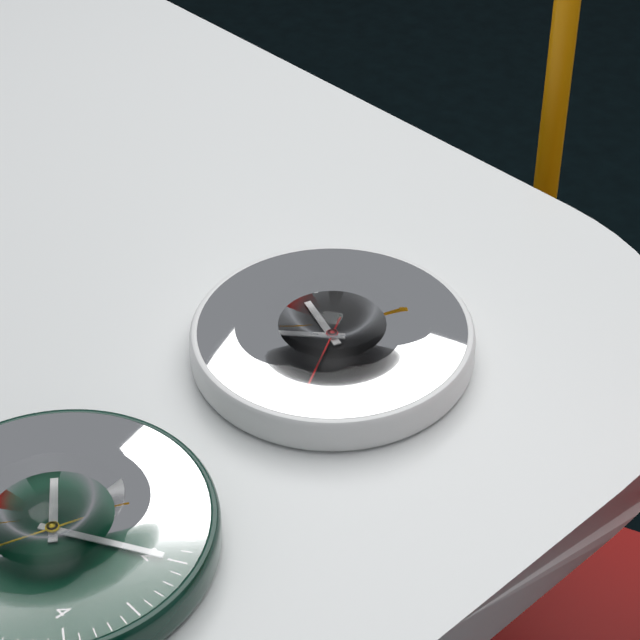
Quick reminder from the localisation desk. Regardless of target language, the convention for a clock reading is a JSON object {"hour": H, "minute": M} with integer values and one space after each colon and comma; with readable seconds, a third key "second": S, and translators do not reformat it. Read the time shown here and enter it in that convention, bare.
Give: {"hour": 9, "minute": 38, "second": 25}
